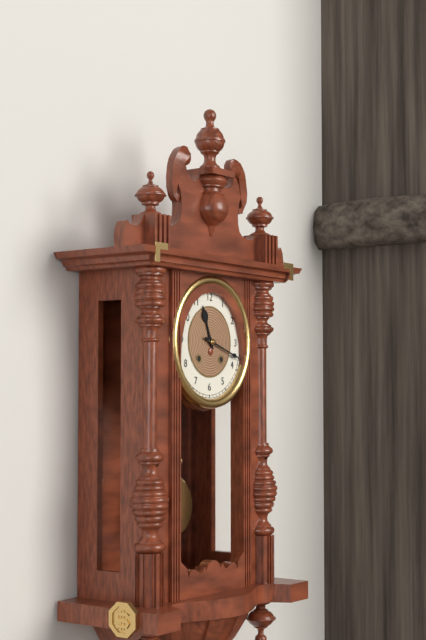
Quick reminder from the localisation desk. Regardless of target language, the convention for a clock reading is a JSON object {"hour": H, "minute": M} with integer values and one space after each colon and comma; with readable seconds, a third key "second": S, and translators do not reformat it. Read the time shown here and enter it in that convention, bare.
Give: {"hour": 11, "minute": 18}
